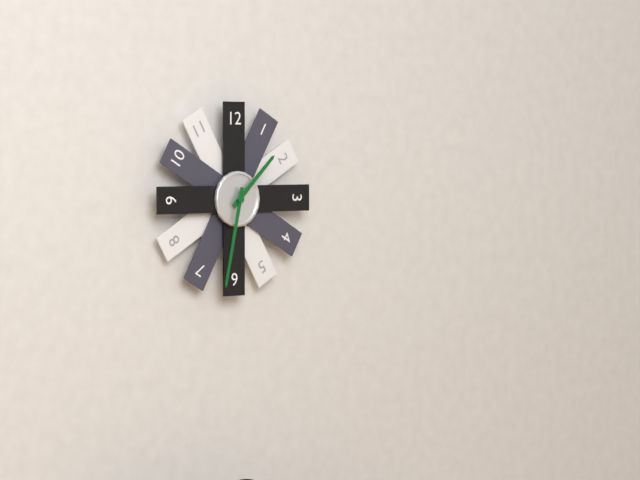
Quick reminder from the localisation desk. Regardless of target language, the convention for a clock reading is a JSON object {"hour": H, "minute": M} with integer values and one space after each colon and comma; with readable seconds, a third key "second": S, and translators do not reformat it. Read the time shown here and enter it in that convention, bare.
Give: {"hour": 1, "minute": 32}
